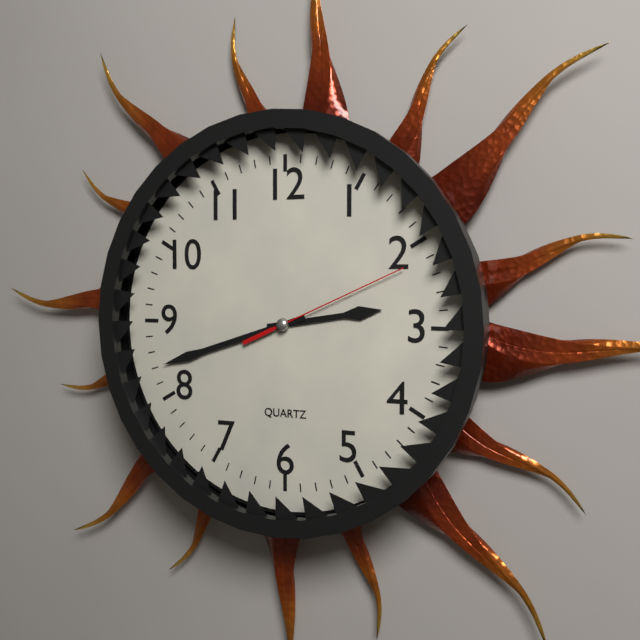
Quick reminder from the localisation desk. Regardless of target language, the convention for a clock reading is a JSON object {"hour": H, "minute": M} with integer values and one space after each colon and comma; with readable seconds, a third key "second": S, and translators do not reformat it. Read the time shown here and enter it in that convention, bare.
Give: {"hour": 2, "minute": 42, "second": 11}
